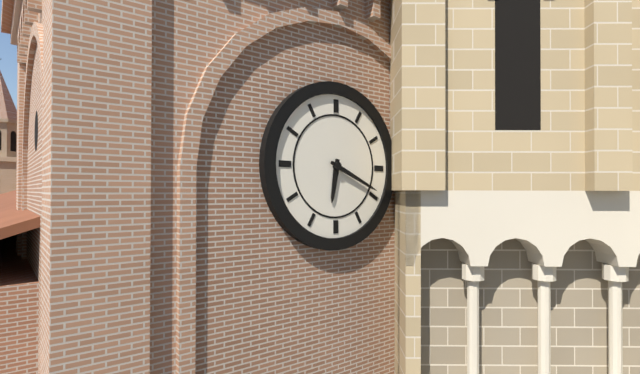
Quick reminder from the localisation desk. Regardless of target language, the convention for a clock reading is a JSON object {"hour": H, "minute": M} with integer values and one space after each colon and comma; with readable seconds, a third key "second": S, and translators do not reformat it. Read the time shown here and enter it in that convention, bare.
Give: {"hour": 6, "minute": 19}
